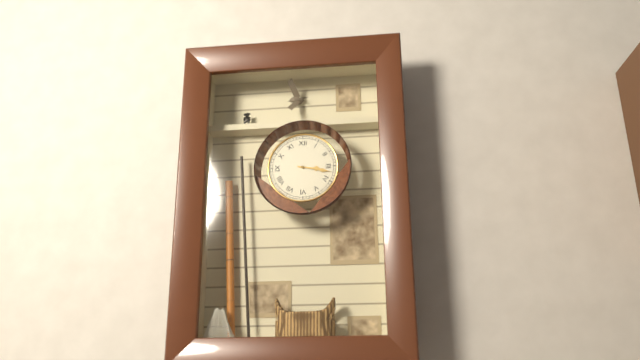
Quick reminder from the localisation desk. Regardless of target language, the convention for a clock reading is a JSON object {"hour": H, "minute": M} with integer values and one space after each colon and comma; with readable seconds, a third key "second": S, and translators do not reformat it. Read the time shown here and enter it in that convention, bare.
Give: {"hour": 3, "minute": 17}
